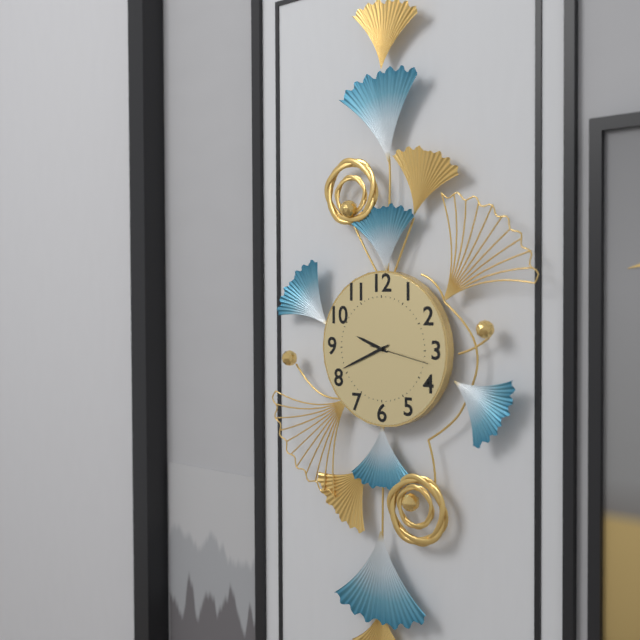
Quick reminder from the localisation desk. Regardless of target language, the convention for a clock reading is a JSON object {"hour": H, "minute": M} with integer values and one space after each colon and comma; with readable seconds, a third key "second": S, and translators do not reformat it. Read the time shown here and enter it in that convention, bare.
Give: {"hour": 9, "minute": 41}
